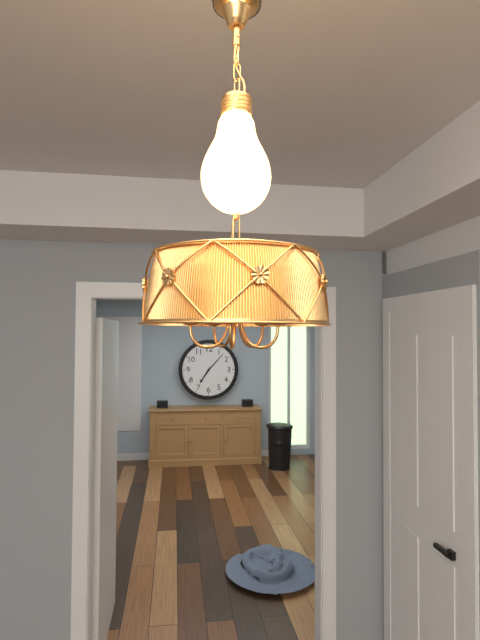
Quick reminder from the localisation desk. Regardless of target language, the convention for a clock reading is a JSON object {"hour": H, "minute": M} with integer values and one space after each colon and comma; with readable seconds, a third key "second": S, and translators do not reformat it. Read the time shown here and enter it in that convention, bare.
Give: {"hour": 7, "minute": 7}
